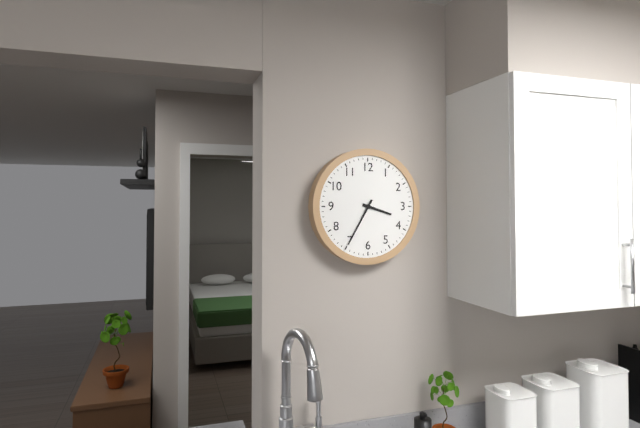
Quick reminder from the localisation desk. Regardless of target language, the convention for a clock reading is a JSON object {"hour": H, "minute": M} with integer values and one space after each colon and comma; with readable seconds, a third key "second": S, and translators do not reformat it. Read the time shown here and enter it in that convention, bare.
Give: {"hour": 3, "minute": 35}
